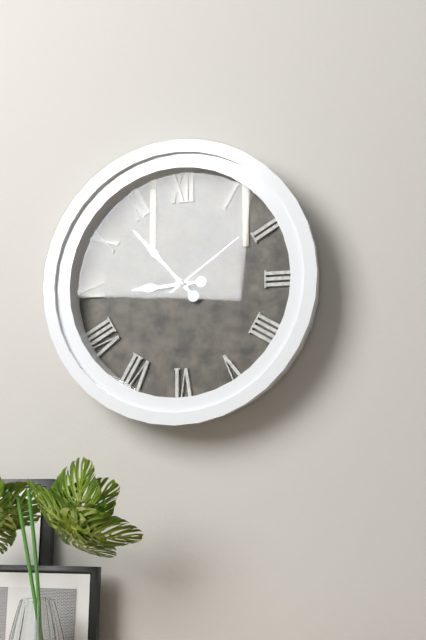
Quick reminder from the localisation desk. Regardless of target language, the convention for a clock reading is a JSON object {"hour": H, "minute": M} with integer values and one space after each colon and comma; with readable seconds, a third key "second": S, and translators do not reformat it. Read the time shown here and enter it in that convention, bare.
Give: {"hour": 8, "minute": 53, "second": 9}
